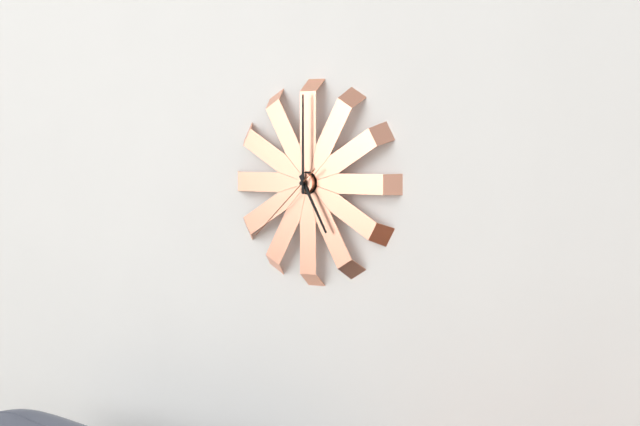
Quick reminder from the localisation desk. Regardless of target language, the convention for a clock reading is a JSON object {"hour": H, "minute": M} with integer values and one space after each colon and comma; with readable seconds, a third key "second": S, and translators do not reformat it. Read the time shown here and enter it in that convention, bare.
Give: {"hour": 5, "minute": 0, "second": 38}
